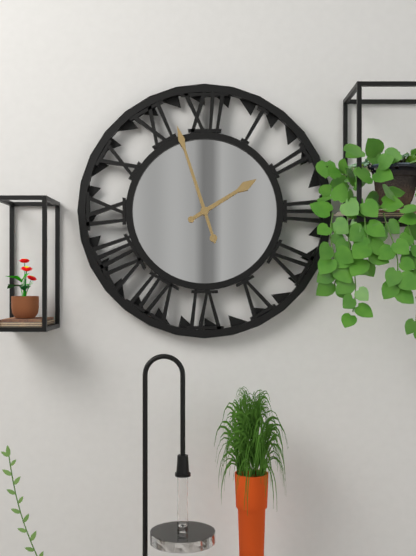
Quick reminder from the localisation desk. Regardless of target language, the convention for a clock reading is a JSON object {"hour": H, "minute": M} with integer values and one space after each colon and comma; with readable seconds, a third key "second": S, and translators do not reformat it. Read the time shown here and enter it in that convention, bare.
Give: {"hour": 1, "minute": 57}
